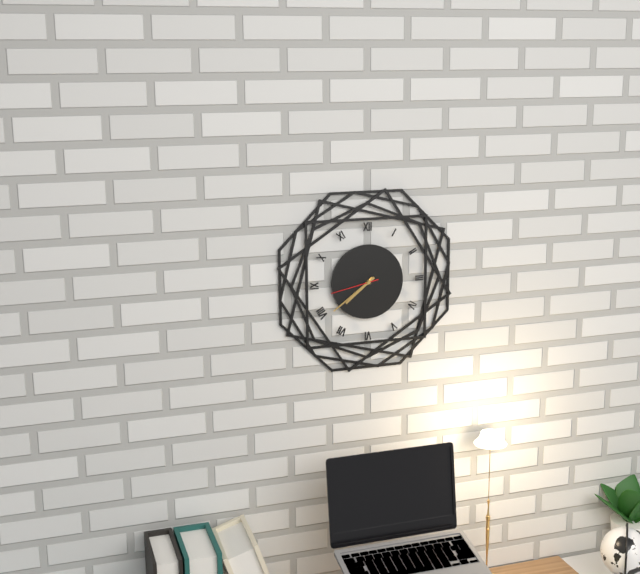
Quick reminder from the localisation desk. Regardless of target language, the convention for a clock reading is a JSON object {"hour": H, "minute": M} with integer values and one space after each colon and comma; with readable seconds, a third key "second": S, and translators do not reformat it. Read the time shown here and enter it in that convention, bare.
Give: {"hour": 7, "minute": 39}
